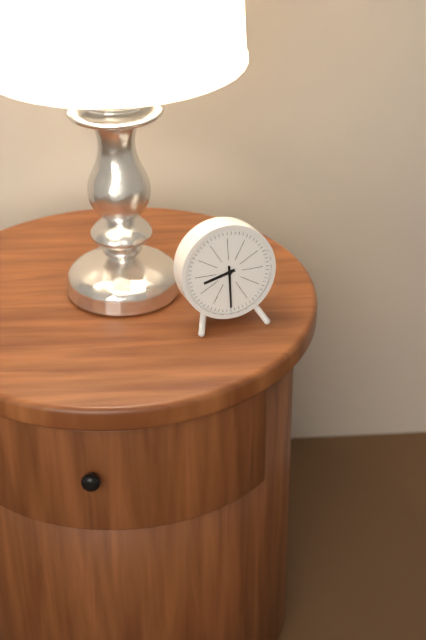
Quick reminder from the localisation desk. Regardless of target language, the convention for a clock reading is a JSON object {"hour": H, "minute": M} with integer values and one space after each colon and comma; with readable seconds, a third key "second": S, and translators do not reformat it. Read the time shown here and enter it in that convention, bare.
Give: {"hour": 8, "minute": 30}
